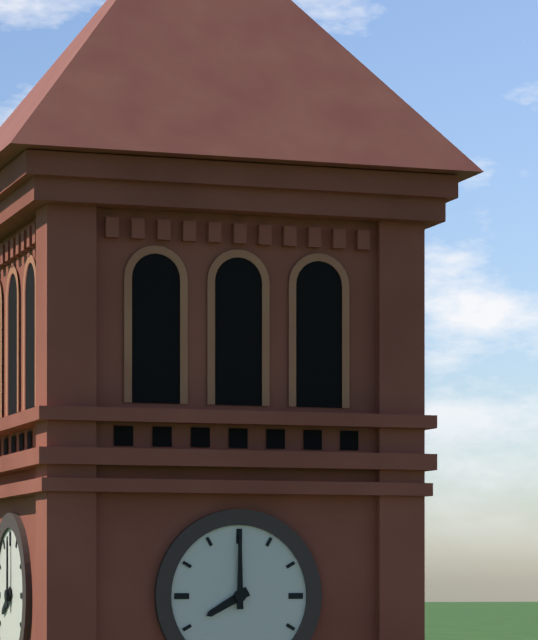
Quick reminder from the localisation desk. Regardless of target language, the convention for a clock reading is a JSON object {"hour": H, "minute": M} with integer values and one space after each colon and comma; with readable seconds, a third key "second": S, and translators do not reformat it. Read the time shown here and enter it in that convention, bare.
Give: {"hour": 8, "minute": 0}
